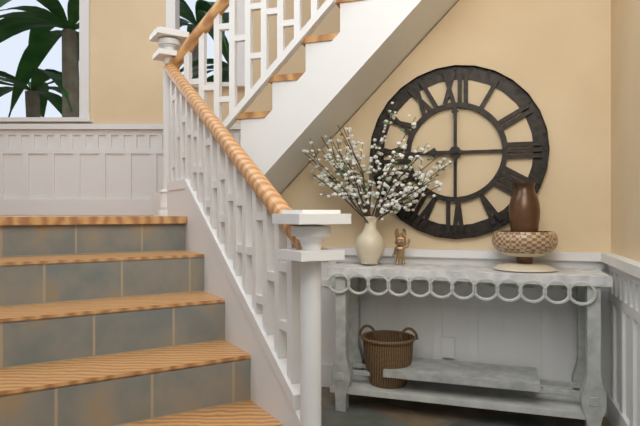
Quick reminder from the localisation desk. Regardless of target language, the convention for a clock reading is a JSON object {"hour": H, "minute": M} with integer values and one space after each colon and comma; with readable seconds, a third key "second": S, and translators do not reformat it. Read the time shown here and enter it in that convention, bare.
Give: {"hour": 9, "minute": 0}
